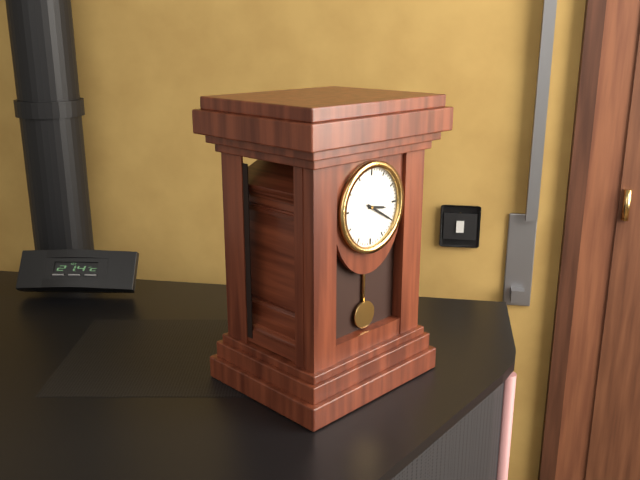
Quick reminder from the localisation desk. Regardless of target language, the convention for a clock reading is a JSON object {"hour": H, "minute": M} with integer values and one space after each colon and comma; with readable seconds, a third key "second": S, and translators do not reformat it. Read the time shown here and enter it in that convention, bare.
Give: {"hour": 3, "minute": 20}
